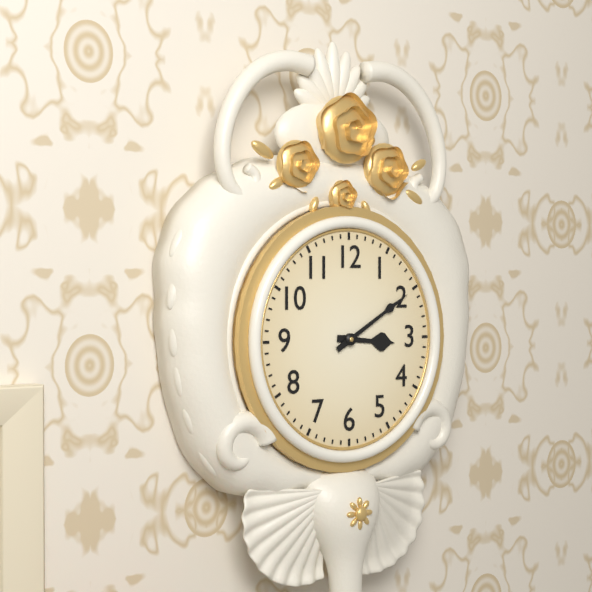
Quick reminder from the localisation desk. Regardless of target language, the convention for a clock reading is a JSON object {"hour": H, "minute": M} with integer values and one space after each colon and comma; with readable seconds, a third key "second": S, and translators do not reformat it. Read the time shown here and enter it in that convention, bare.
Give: {"hour": 3, "minute": 10}
